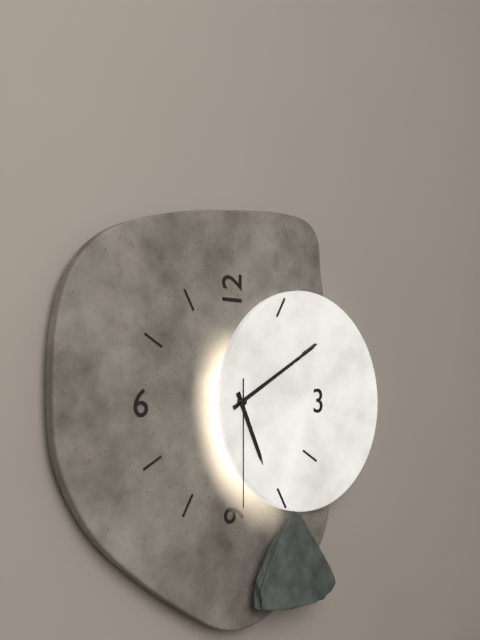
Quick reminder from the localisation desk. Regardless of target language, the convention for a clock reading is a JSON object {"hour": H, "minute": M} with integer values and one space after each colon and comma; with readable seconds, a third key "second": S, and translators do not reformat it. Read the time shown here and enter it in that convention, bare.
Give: {"hour": 5, "minute": 10, "second": 30}
